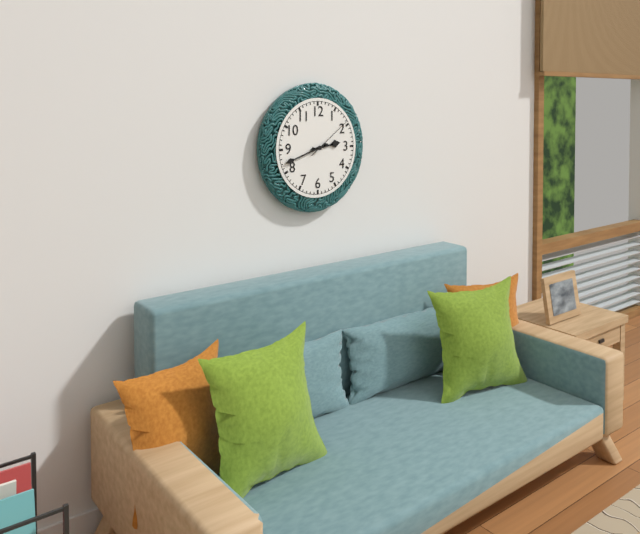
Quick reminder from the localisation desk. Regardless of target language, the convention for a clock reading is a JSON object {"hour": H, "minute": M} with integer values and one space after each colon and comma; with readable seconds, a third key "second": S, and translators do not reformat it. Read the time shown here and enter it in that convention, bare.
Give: {"hour": 2, "minute": 42}
